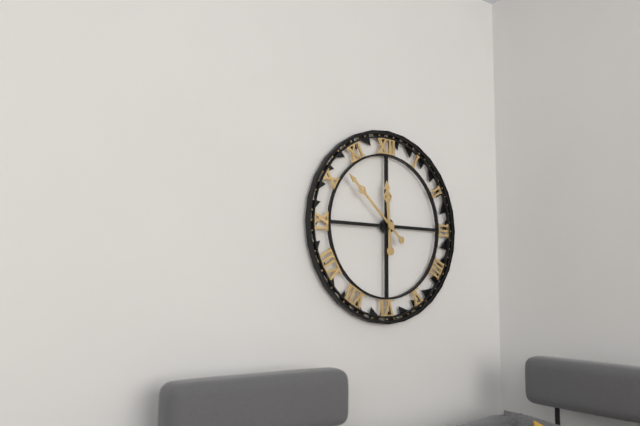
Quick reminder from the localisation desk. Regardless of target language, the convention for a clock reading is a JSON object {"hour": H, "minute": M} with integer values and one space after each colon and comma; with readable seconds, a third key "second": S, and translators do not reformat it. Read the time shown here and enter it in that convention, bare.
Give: {"hour": 11, "minute": 52}
